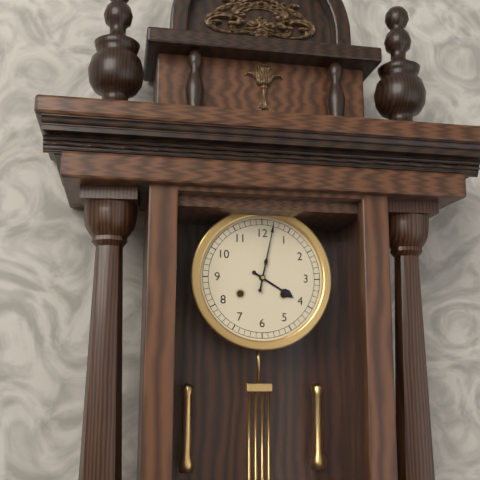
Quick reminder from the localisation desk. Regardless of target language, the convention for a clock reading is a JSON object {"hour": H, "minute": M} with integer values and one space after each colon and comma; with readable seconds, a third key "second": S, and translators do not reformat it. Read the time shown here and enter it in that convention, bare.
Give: {"hour": 4, "minute": 2}
